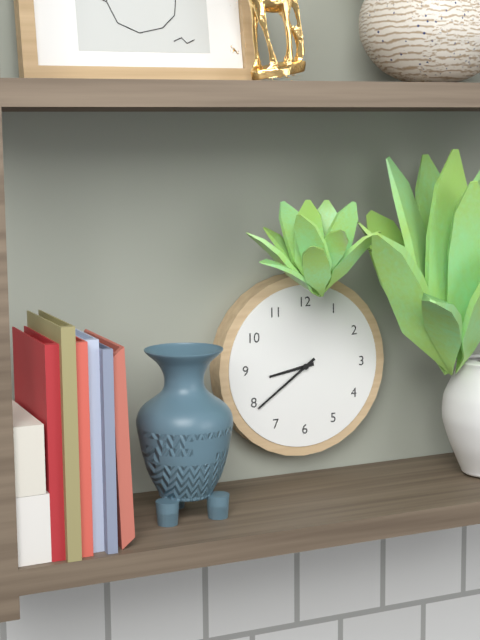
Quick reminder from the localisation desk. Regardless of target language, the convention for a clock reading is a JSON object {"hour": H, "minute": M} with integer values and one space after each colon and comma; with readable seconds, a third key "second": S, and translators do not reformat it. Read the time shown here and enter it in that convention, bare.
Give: {"hour": 8, "minute": 39}
